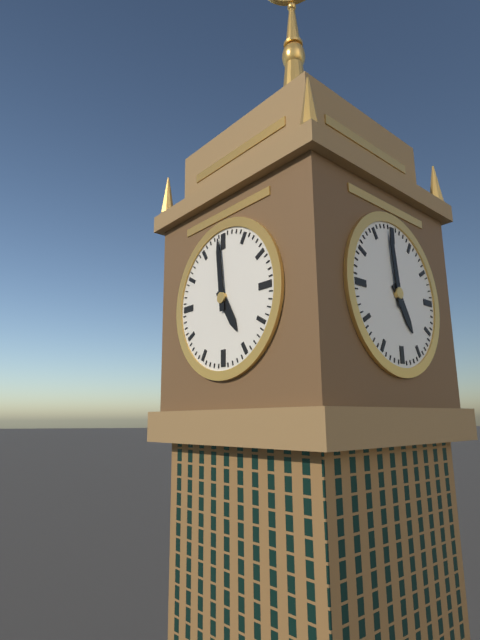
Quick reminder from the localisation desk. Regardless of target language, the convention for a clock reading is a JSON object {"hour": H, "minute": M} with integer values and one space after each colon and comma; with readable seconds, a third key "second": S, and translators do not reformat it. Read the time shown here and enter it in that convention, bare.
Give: {"hour": 4, "minute": 59}
